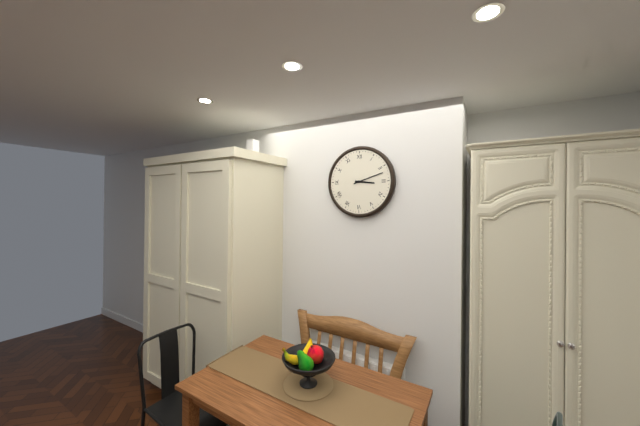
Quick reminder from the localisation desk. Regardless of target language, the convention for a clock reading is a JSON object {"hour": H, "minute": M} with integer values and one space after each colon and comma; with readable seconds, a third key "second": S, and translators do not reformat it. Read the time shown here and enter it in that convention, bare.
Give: {"hour": 3, "minute": 12}
